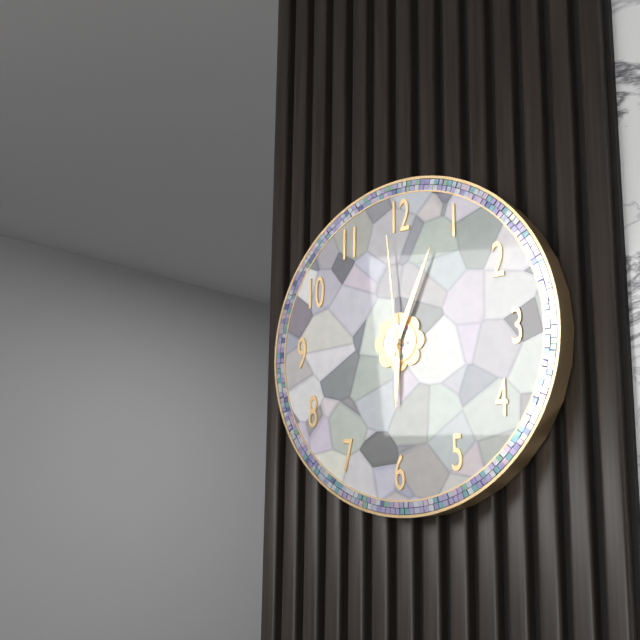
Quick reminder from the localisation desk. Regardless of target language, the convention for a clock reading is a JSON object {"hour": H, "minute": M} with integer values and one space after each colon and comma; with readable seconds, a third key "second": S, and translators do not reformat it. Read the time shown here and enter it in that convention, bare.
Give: {"hour": 6, "minute": 4, "second": 59}
